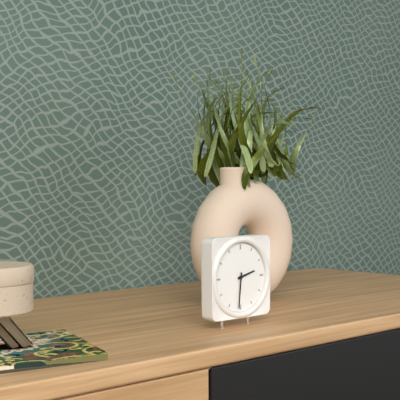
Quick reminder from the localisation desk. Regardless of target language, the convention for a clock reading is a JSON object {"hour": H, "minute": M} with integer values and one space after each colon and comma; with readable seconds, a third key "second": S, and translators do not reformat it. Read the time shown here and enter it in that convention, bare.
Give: {"hour": 2, "minute": 31}
